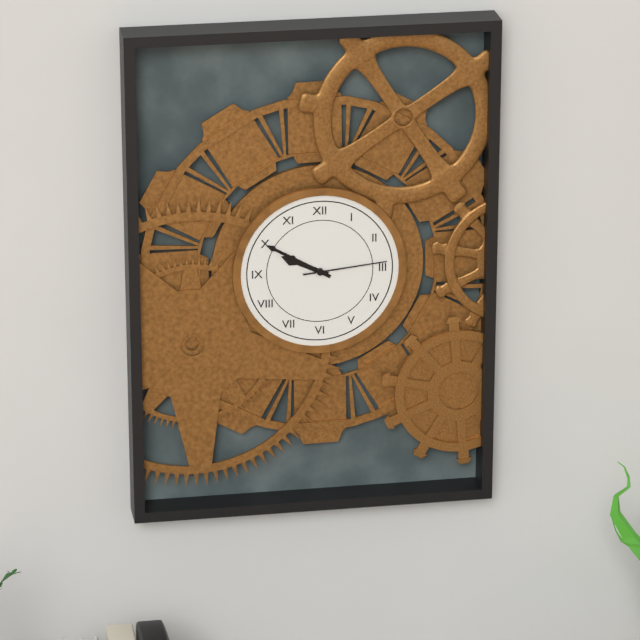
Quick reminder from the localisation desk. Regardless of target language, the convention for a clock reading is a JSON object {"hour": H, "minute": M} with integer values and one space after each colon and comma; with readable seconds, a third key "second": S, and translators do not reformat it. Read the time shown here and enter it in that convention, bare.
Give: {"hour": 9, "minute": 50, "second": 14}
